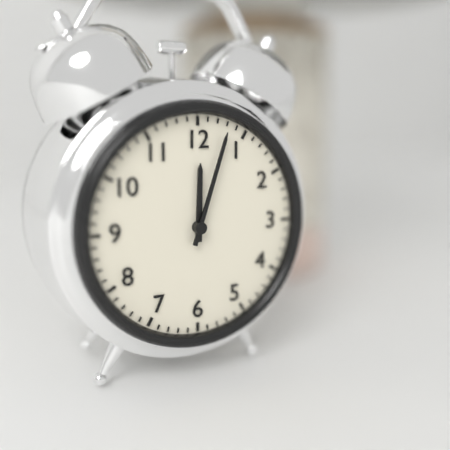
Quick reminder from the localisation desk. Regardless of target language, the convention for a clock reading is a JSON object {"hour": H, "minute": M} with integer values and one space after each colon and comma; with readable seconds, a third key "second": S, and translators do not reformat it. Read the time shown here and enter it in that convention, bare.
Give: {"hour": 12, "minute": 3}
